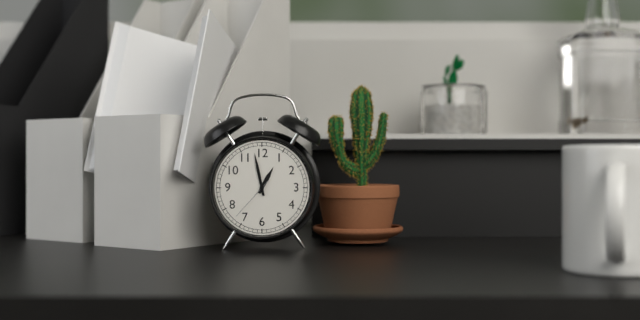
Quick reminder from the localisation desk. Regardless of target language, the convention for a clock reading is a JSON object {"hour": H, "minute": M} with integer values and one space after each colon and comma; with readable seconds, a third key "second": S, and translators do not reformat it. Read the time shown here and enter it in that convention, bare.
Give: {"hour": 12, "minute": 58}
